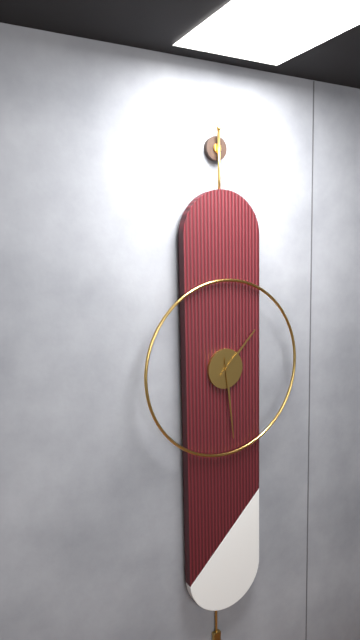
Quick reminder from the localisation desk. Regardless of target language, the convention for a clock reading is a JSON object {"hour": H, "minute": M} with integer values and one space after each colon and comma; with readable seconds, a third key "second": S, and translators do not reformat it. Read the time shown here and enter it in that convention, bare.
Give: {"hour": 1, "minute": 29}
